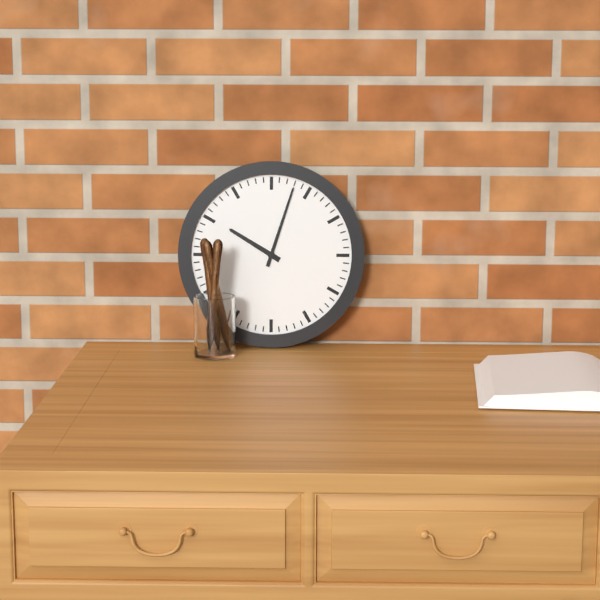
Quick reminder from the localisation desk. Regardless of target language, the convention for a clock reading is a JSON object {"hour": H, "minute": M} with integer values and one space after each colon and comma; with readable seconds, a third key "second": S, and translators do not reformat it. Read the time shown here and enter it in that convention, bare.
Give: {"hour": 10, "minute": 3}
